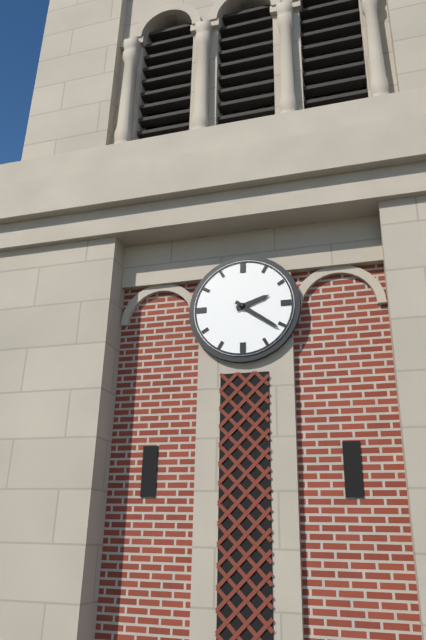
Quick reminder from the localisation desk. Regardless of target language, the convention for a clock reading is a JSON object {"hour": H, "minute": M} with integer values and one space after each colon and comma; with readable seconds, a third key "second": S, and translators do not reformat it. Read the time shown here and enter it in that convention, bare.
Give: {"hour": 2, "minute": 21}
